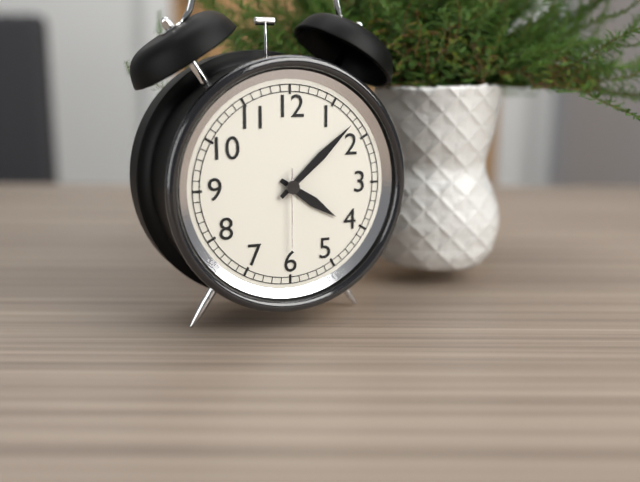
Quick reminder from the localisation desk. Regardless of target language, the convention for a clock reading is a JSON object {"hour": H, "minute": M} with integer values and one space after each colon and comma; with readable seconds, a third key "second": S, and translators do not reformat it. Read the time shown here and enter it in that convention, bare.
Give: {"hour": 4, "minute": 8, "second": 30}
